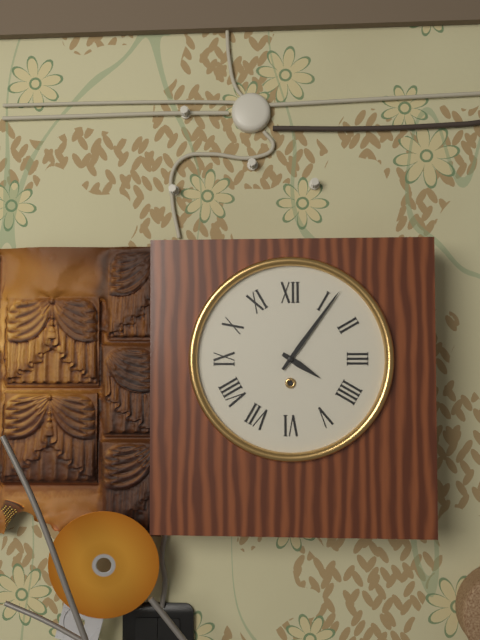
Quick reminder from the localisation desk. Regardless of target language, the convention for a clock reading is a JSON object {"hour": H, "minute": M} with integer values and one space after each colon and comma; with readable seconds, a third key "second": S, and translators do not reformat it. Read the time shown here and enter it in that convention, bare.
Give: {"hour": 4, "minute": 6}
